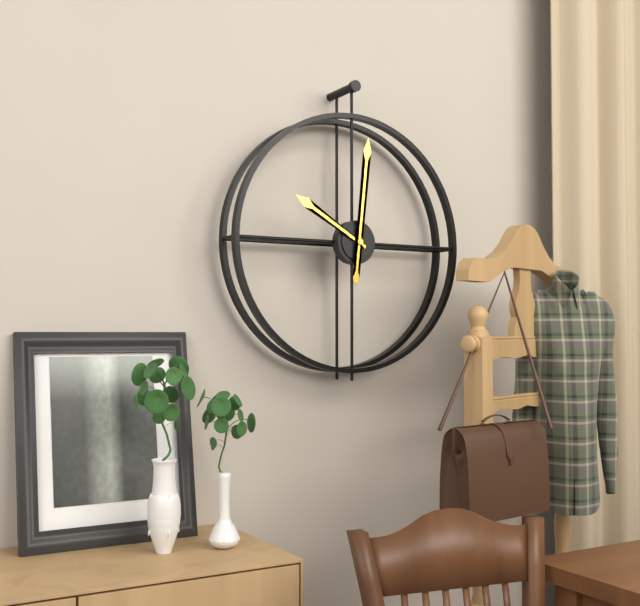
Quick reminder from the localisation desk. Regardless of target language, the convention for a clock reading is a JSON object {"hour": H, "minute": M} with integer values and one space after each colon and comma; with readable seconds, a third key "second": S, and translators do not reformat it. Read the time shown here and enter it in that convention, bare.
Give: {"hour": 10, "minute": 1}
